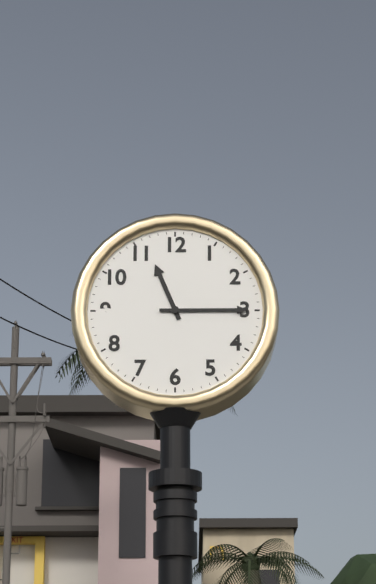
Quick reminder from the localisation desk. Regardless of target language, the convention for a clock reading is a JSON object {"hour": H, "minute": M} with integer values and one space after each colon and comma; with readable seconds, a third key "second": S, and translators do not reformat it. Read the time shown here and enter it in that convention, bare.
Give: {"hour": 11, "minute": 15}
